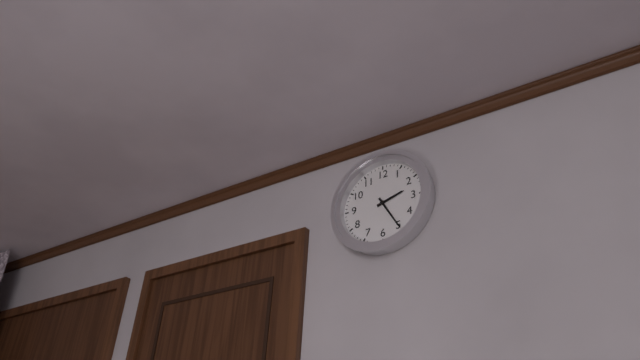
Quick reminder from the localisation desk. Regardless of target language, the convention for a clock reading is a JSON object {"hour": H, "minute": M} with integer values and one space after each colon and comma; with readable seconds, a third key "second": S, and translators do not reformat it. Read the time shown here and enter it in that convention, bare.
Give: {"hour": 2, "minute": 25}
